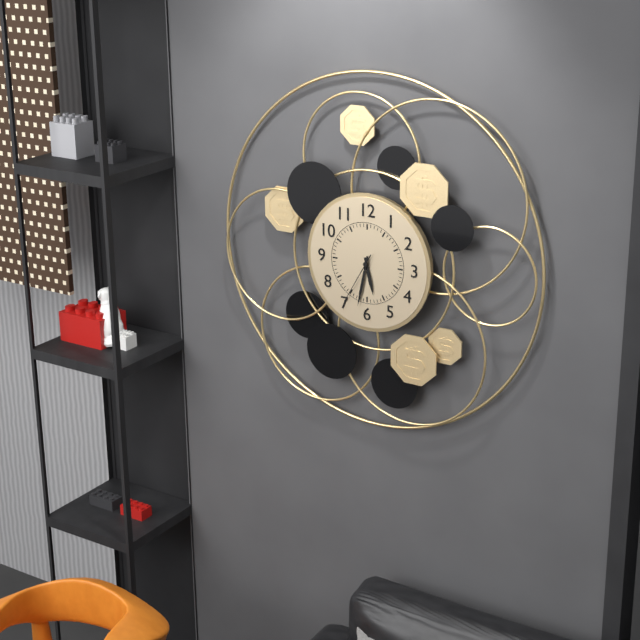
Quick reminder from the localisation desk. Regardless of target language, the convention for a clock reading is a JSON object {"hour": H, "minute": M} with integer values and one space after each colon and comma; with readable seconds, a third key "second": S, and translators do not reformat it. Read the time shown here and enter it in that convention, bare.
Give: {"hour": 5, "minute": 32, "second": 35}
